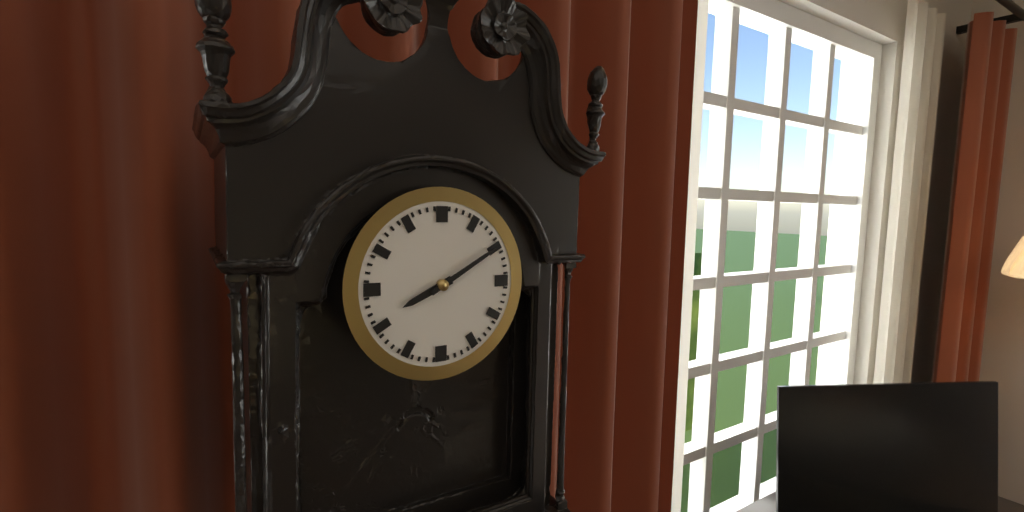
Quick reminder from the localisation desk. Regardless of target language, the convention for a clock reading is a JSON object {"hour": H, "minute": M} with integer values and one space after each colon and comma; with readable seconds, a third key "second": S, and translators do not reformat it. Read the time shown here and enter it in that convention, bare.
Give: {"hour": 8, "minute": 10}
